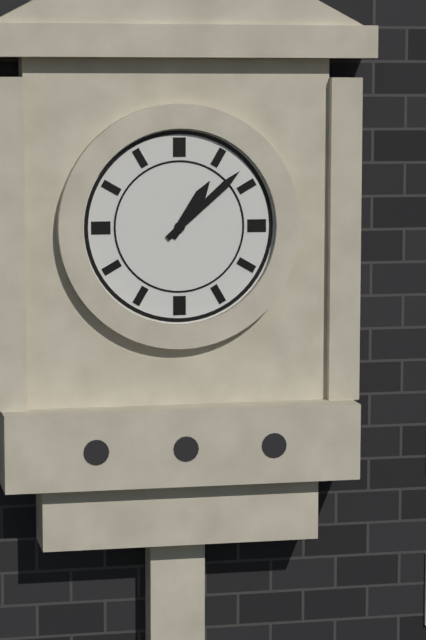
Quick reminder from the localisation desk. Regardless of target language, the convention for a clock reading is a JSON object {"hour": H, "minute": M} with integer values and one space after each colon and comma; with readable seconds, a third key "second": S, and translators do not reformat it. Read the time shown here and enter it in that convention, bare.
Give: {"hour": 1, "minute": 8}
